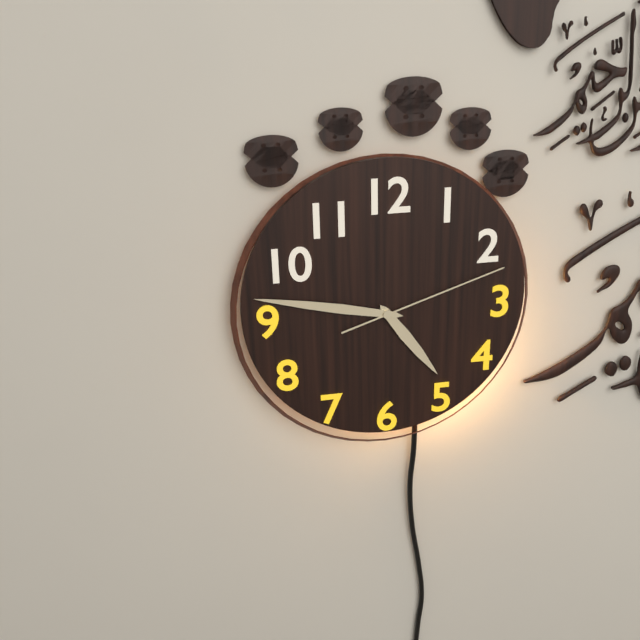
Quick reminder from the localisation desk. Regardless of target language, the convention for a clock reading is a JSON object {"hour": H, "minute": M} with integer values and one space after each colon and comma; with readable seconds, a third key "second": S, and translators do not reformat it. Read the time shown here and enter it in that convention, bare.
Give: {"hour": 4, "minute": 47, "second": 12}
